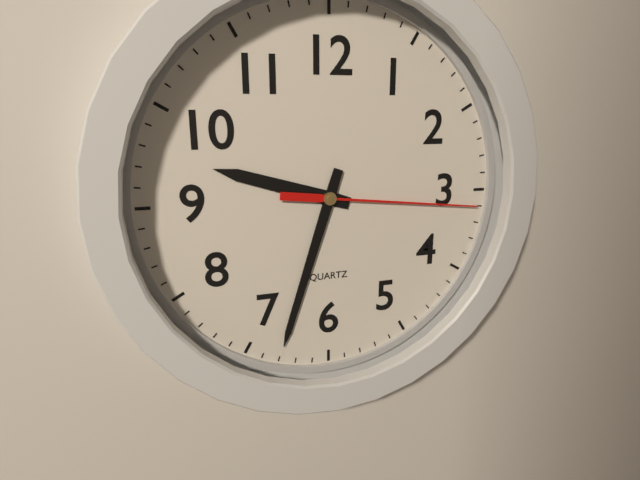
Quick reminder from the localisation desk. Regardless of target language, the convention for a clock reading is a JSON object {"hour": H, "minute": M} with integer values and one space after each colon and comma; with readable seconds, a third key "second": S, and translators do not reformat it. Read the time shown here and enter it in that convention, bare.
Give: {"hour": 9, "minute": 33, "second": 16}
